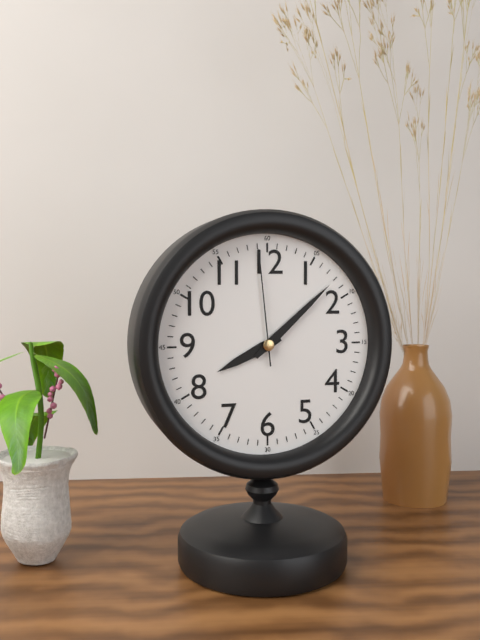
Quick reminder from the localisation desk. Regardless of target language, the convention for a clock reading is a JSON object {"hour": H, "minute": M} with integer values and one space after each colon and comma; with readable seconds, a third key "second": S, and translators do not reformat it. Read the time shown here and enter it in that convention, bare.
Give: {"hour": 8, "minute": 8, "second": 59}
